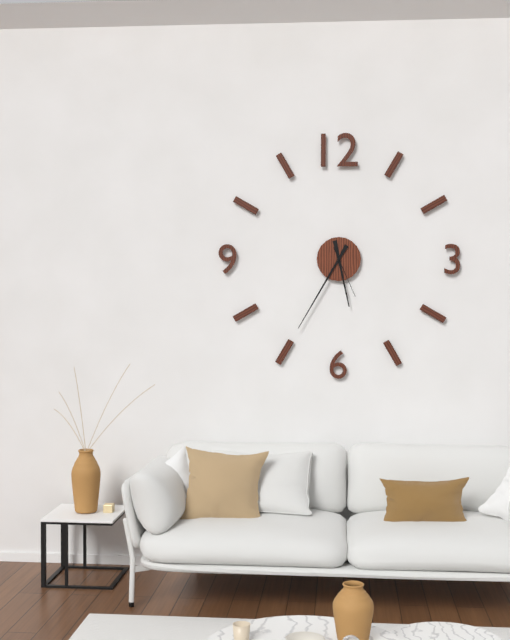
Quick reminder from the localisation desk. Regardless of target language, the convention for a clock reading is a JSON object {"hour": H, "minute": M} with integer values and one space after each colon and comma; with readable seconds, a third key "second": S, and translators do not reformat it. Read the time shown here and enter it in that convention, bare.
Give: {"hour": 5, "minute": 35, "second": 26}
